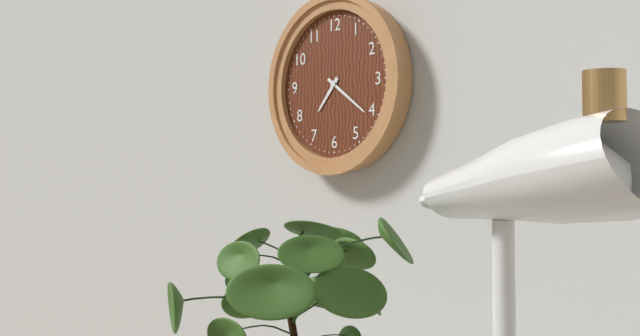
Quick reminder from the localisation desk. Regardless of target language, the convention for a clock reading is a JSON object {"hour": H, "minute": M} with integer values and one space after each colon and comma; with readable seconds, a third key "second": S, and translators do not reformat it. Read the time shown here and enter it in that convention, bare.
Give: {"hour": 7, "minute": 21}
